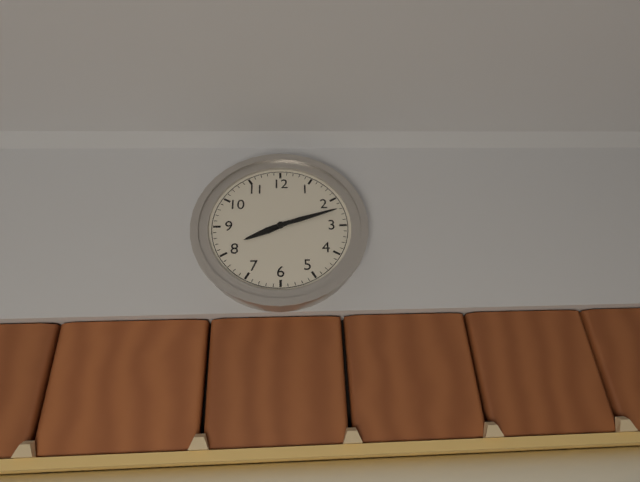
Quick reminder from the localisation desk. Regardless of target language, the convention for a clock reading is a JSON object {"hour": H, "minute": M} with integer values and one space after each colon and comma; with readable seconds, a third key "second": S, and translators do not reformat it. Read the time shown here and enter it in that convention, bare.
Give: {"hour": 8, "minute": 12}
